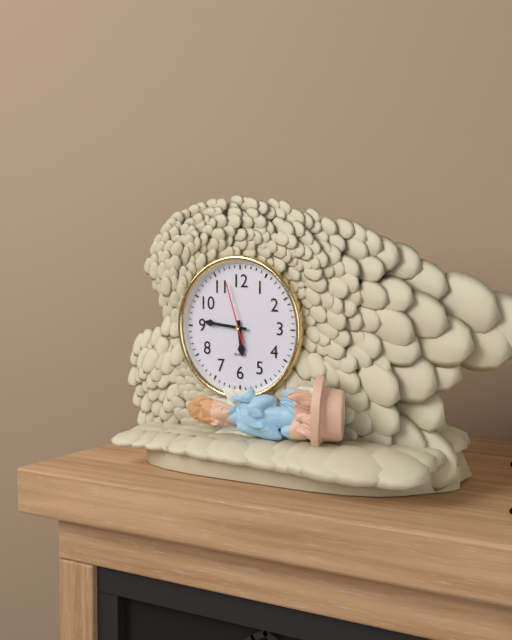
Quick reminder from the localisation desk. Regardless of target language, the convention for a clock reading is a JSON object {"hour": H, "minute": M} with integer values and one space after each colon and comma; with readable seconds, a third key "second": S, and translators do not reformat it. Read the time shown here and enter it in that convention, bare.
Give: {"hour": 5, "minute": 46, "second": 57}
